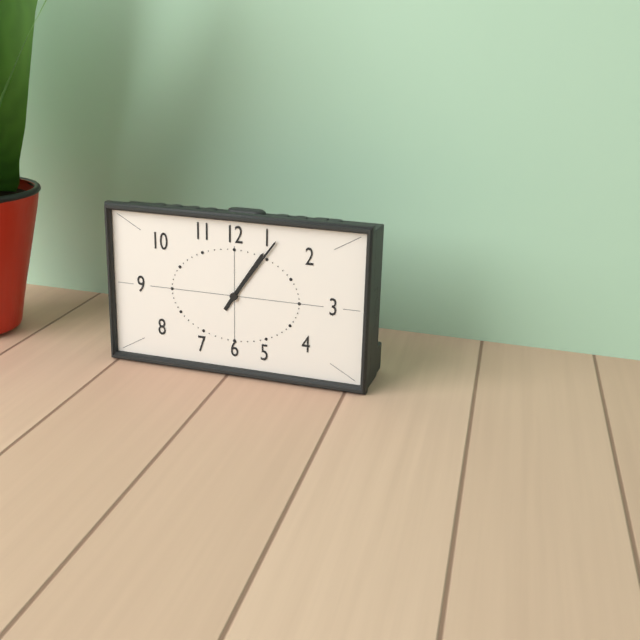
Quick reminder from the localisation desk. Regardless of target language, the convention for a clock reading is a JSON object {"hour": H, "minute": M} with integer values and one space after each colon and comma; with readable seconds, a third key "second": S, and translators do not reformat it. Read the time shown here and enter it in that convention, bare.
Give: {"hour": 1, "minute": 6}
